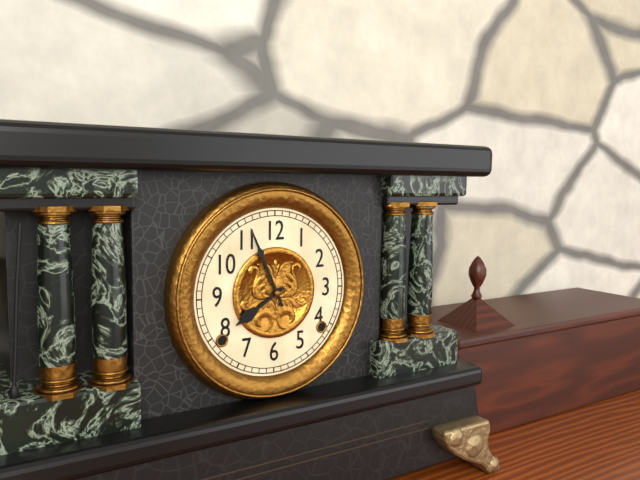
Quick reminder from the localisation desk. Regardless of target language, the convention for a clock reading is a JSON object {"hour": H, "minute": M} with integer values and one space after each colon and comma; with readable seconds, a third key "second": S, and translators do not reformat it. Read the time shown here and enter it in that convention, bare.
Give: {"hour": 7, "minute": 56}
